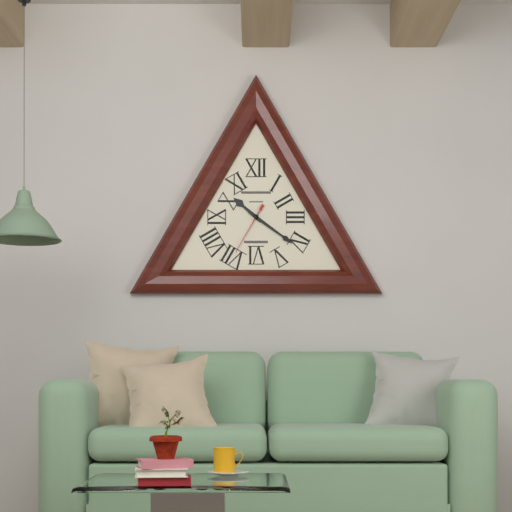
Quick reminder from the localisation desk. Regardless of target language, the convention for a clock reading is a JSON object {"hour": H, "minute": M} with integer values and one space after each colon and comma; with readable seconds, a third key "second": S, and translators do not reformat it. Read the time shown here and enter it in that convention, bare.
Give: {"hour": 10, "minute": 21, "second": 35}
